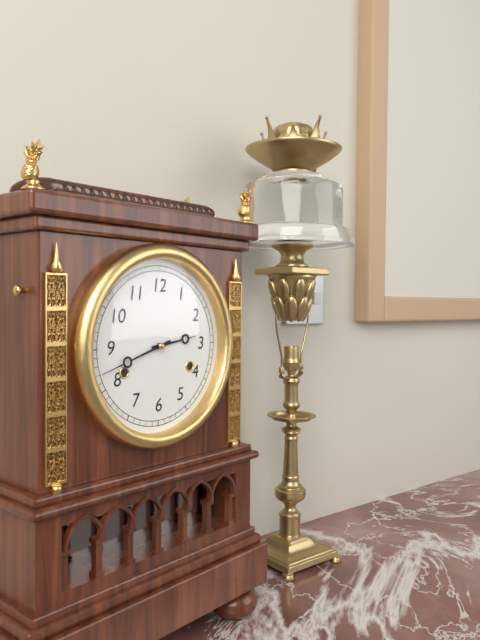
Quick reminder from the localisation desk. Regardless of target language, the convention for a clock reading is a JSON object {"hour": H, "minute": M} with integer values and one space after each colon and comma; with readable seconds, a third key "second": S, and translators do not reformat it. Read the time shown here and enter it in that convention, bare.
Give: {"hour": 2, "minute": 42}
